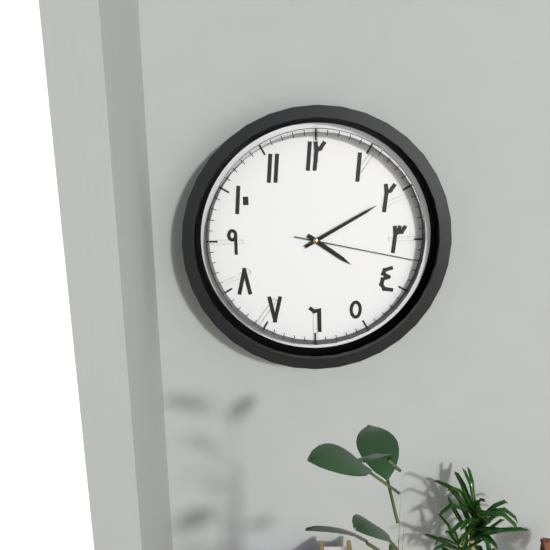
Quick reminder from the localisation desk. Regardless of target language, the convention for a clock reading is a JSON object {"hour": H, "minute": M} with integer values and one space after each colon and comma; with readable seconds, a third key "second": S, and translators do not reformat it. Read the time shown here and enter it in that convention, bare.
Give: {"hour": 4, "minute": 10, "second": 17}
